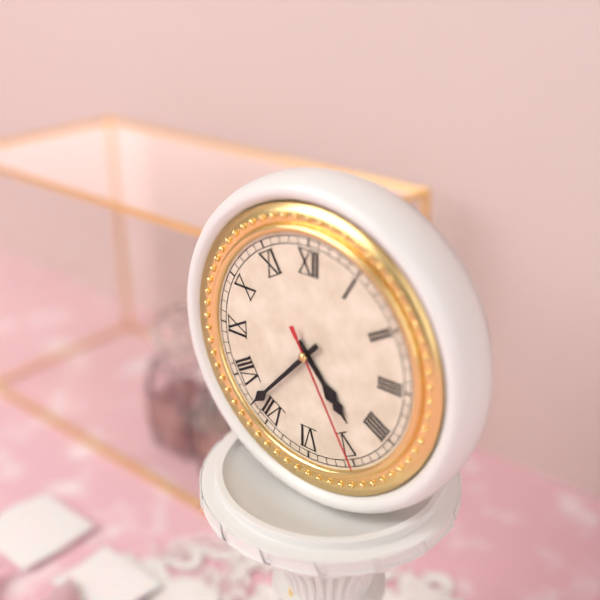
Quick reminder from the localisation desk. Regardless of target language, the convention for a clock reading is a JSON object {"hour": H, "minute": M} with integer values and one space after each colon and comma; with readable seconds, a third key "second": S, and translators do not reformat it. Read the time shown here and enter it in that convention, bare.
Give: {"hour": 4, "minute": 37, "second": 25}
